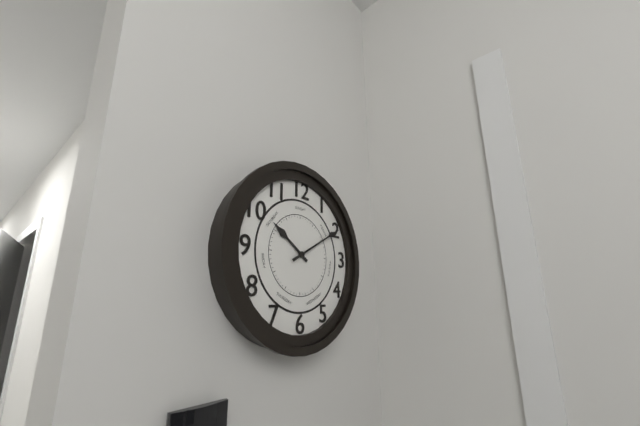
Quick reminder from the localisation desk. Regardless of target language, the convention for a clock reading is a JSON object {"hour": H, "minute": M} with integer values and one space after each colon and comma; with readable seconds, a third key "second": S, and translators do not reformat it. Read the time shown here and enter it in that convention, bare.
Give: {"hour": 10, "minute": 10}
